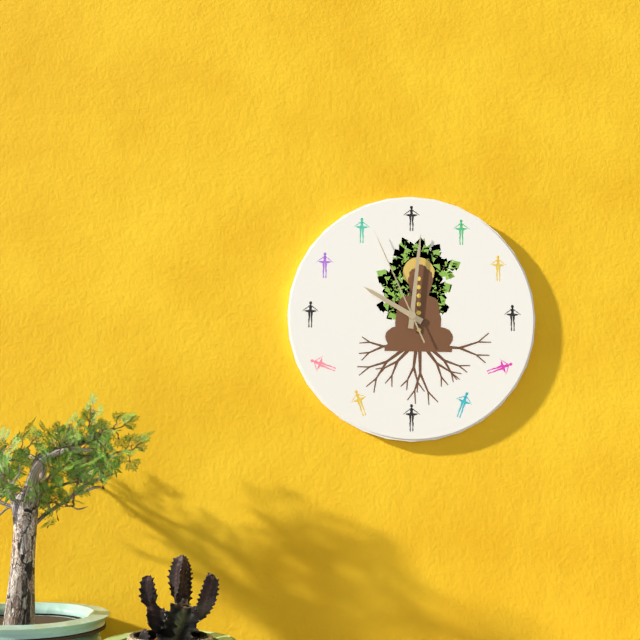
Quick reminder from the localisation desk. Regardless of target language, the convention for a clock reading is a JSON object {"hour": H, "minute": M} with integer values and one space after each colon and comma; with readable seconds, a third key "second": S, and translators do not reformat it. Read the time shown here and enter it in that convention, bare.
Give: {"hour": 10, "minute": 1, "second": 56}
